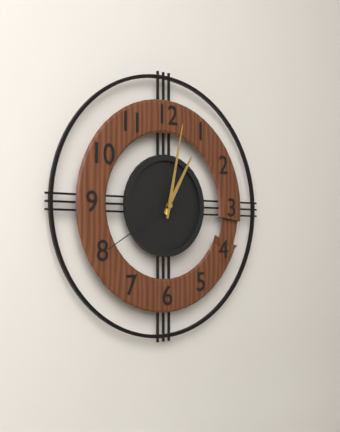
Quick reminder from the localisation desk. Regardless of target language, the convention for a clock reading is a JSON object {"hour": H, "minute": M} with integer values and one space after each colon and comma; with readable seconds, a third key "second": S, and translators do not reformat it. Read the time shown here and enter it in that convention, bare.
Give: {"hour": 1, "minute": 2, "second": 40}
